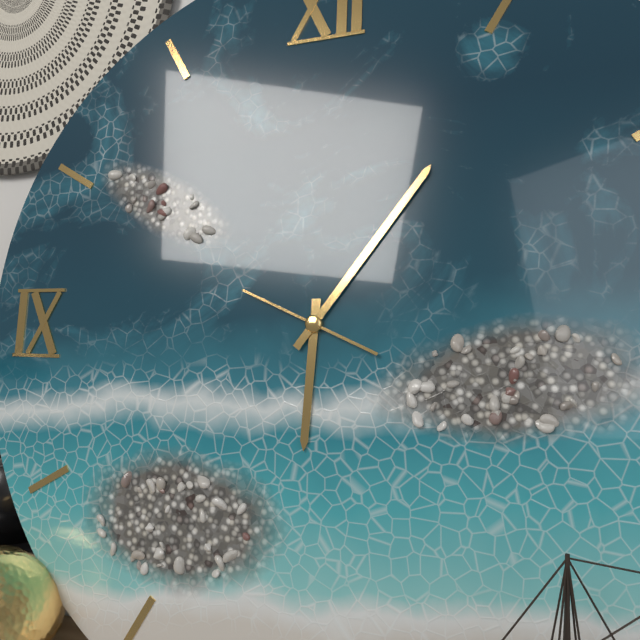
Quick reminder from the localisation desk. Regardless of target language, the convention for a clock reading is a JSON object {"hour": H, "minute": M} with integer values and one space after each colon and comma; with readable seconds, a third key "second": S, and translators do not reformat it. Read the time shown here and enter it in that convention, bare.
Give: {"hour": 6, "minute": 6, "second": 49}
